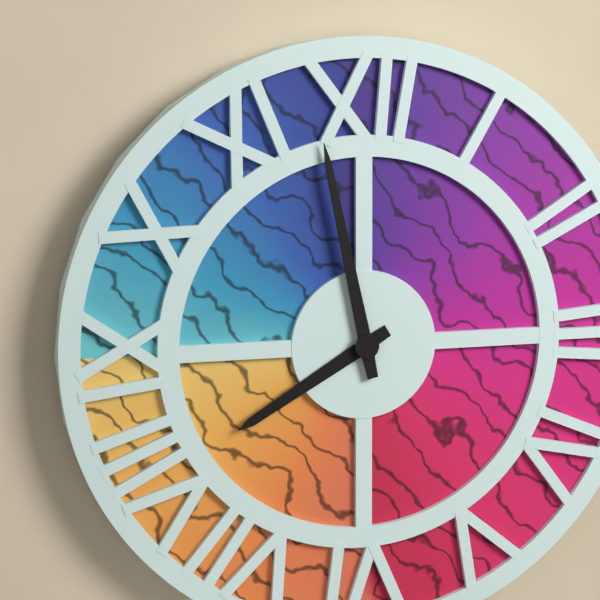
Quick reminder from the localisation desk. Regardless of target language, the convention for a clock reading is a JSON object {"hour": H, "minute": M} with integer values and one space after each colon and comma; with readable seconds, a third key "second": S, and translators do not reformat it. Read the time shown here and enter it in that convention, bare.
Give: {"hour": 7, "minute": 58}
